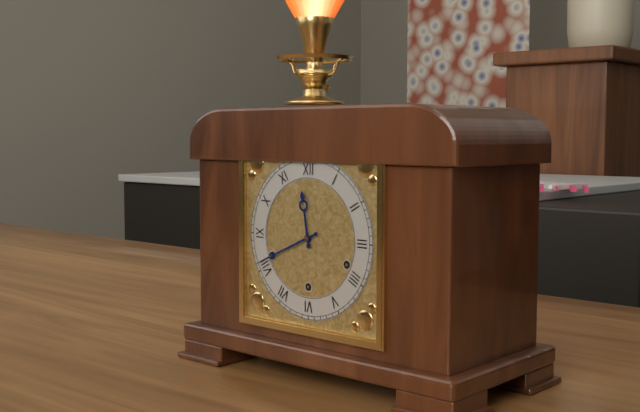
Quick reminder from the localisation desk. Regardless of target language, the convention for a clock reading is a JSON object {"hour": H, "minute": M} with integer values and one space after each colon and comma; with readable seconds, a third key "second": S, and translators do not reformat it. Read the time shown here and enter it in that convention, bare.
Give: {"hour": 11, "minute": 41}
